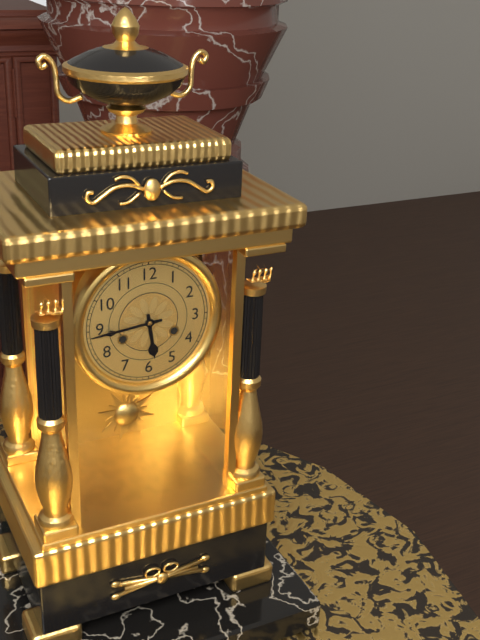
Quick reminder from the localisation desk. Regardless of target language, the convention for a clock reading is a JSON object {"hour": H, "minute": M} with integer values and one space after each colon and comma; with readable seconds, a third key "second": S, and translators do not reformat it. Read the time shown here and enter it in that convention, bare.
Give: {"hour": 5, "minute": 44}
